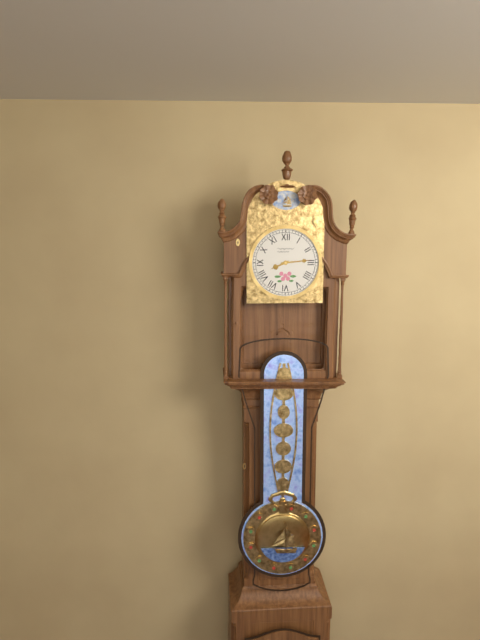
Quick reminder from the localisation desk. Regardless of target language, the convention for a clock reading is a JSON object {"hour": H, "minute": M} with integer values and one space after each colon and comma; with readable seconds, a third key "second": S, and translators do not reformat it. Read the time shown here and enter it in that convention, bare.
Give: {"hour": 8, "minute": 14}
